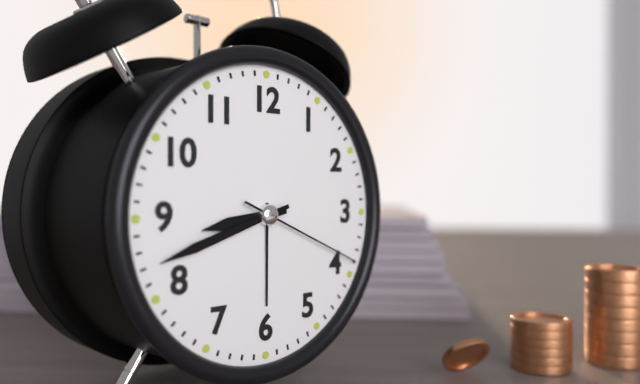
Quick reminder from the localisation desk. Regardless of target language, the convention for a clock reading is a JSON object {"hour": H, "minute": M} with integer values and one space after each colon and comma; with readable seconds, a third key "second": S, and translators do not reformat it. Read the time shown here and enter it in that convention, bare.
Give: {"hour": 8, "minute": 42, "second": 19}
